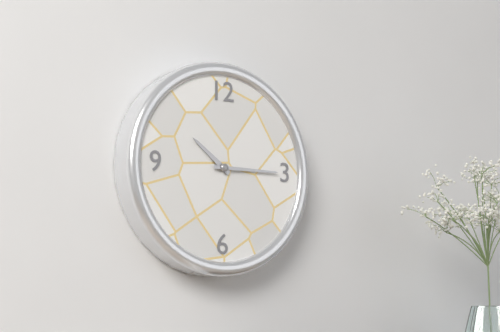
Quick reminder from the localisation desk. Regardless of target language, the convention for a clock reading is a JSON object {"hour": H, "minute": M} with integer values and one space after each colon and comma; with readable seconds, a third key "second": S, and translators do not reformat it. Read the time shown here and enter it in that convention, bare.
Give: {"hour": 10, "minute": 15}
